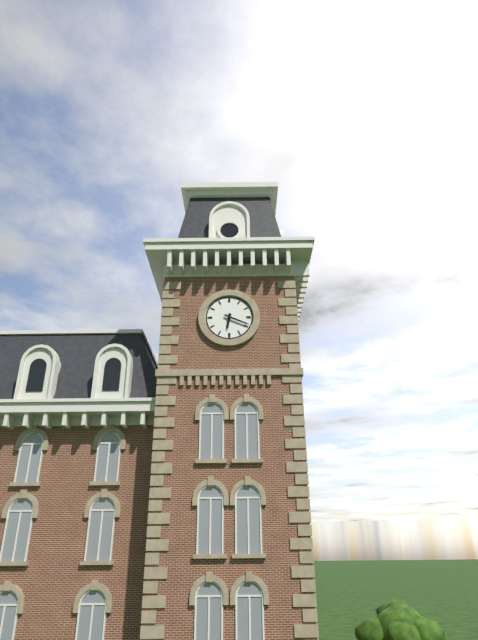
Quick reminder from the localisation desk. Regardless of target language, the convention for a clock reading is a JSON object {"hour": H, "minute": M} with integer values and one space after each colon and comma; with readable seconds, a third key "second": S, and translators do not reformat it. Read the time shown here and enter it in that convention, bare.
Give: {"hour": 6, "minute": 19}
